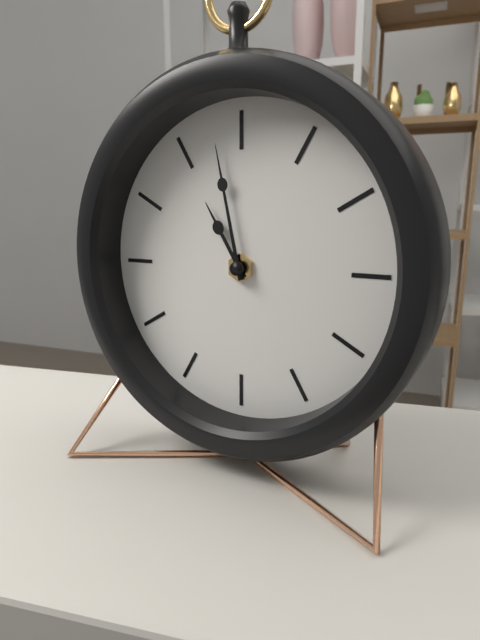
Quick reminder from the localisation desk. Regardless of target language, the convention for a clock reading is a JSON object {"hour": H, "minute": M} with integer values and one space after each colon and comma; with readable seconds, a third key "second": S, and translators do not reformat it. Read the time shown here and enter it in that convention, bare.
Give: {"hour": 10, "minute": 58}
